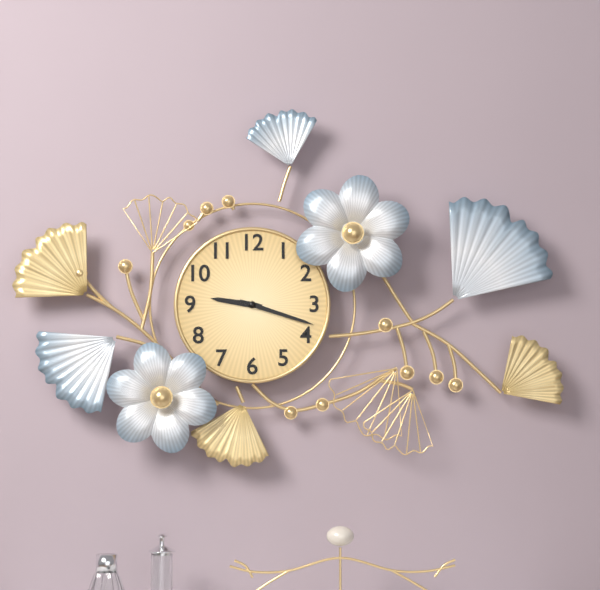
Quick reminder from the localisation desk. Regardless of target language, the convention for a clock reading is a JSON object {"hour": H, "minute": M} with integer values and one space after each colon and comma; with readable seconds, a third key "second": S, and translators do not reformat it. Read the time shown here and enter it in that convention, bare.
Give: {"hour": 9, "minute": 18}
